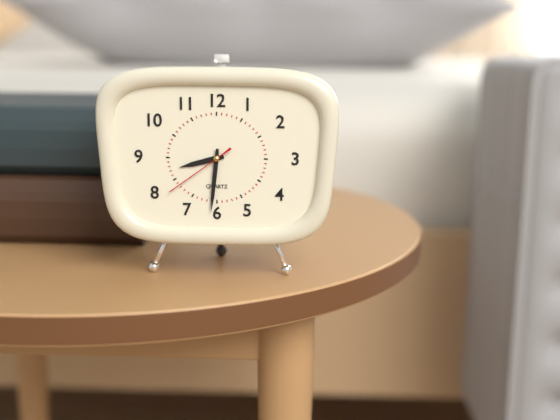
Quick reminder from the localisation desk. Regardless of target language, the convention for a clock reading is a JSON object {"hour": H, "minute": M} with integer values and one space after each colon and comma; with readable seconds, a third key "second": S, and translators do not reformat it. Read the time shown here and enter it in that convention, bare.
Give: {"hour": 8, "minute": 31, "second": 39}
